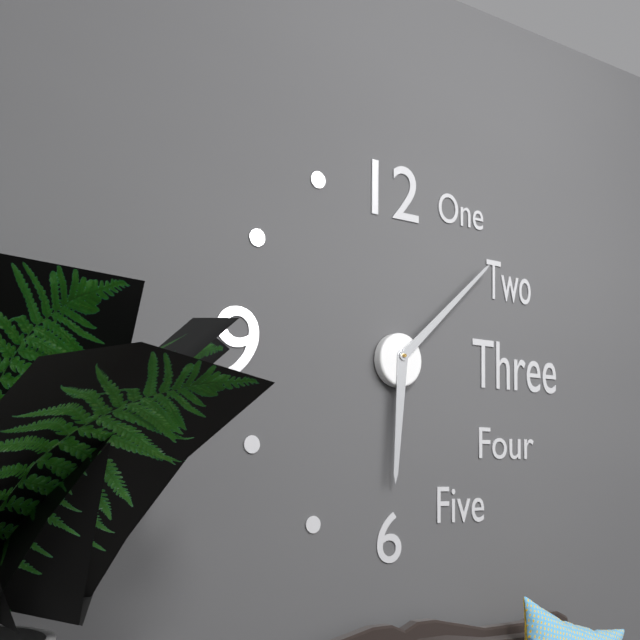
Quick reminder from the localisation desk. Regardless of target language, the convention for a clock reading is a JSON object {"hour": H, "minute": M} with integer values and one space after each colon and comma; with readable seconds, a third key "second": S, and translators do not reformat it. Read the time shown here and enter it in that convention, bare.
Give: {"hour": 6, "minute": 8}
